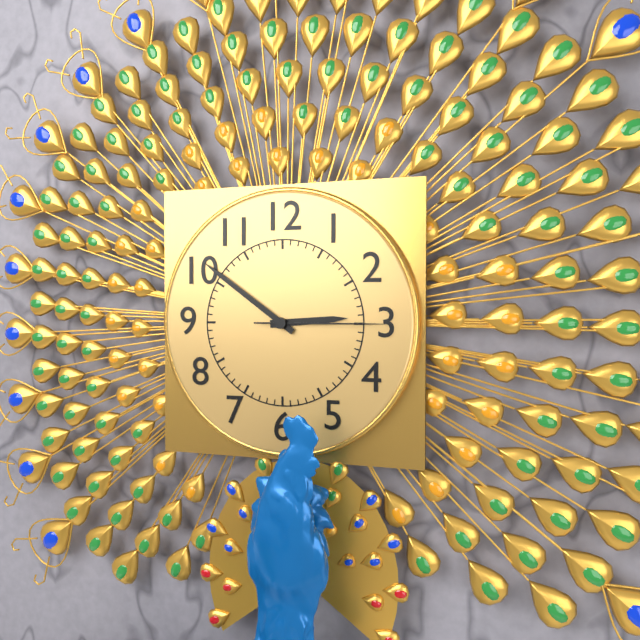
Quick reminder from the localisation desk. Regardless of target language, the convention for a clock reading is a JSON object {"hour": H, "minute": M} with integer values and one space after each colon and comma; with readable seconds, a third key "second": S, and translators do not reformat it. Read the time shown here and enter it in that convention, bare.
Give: {"hour": 2, "minute": 51, "second": 15}
